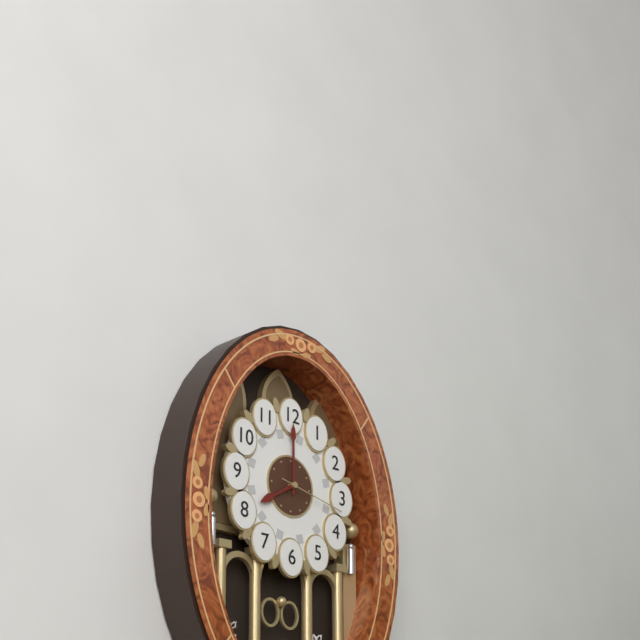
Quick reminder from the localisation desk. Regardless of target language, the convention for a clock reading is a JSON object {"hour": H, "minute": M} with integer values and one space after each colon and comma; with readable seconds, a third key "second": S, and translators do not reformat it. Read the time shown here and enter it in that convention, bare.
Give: {"hour": 8, "minute": 0, "second": 17}
